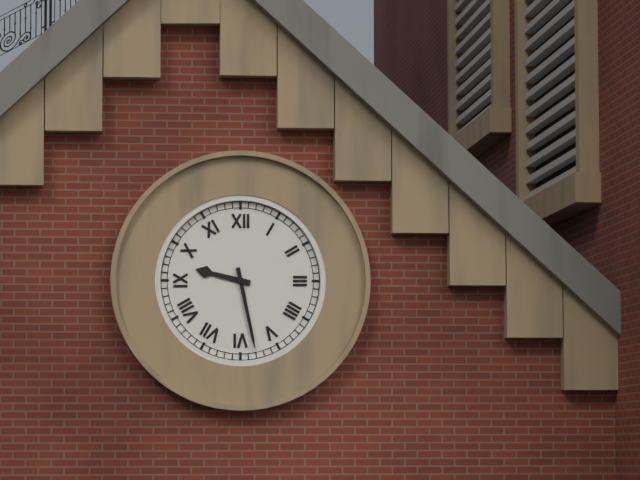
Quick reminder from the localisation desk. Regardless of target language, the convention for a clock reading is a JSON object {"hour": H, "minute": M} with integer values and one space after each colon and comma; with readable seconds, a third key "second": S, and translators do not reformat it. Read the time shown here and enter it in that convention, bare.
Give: {"hour": 9, "minute": 28}
